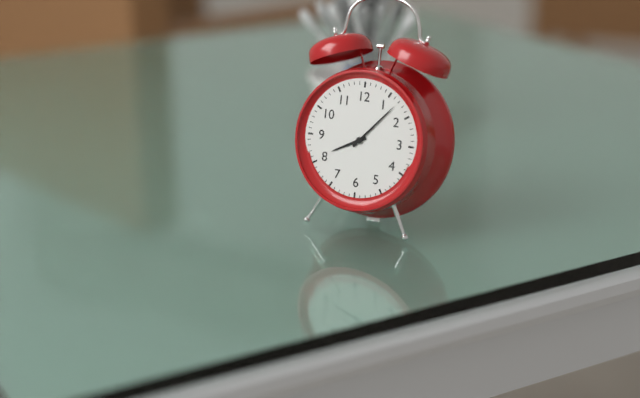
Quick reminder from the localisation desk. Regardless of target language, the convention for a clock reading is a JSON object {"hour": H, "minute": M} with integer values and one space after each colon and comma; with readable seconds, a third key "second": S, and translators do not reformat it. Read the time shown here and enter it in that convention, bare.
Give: {"hour": 8, "minute": 7}
